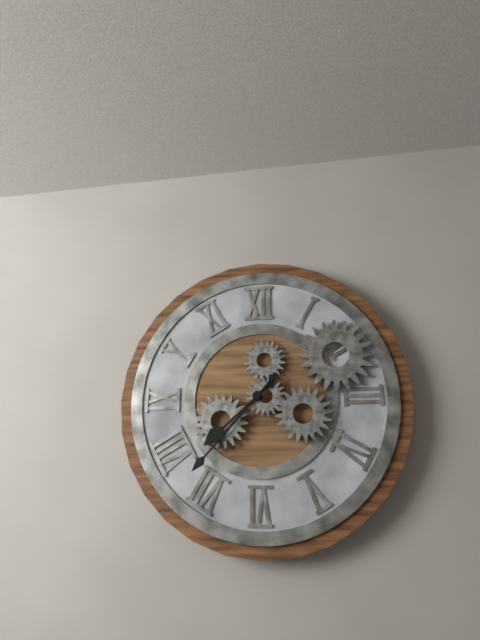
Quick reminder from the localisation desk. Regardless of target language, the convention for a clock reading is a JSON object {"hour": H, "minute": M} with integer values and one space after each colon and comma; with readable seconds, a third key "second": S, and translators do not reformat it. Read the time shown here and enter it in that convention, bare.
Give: {"hour": 7, "minute": 37}
